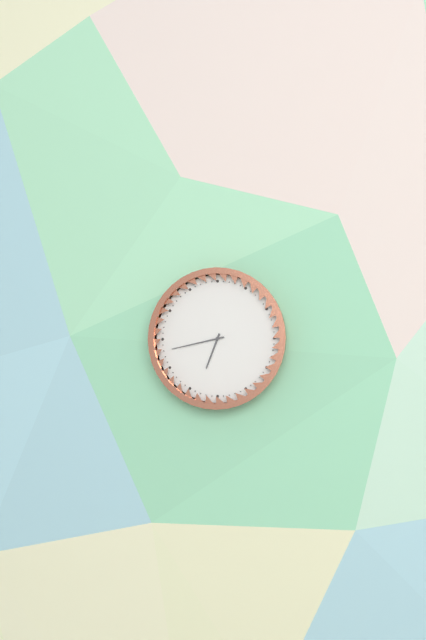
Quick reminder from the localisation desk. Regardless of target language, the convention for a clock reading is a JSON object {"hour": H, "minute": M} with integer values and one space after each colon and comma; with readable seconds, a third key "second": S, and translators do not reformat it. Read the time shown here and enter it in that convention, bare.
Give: {"hour": 6, "minute": 43}
